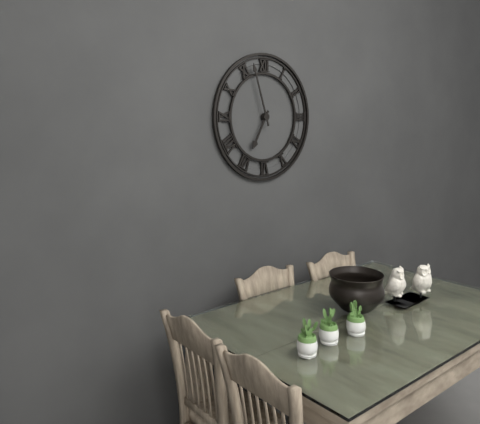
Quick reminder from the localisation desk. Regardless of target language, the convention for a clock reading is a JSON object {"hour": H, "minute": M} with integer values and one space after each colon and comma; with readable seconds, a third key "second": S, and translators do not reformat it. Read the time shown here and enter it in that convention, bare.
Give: {"hour": 6, "minute": 57}
